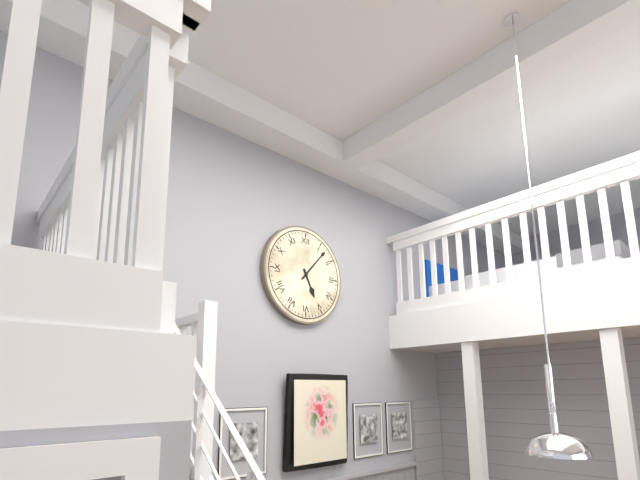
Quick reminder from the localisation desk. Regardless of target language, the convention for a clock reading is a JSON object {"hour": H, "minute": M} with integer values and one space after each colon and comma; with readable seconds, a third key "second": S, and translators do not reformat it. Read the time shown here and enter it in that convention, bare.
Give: {"hour": 5, "minute": 7}
